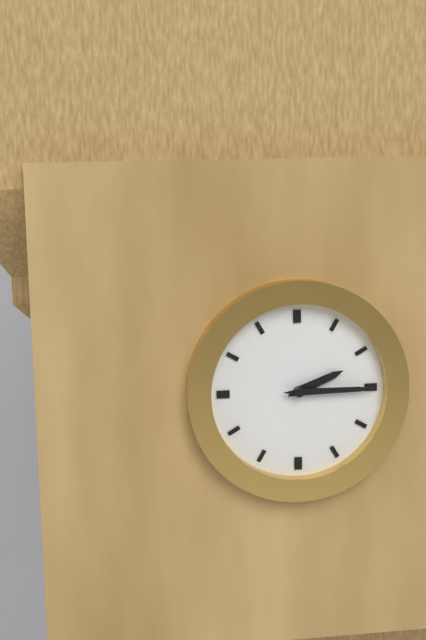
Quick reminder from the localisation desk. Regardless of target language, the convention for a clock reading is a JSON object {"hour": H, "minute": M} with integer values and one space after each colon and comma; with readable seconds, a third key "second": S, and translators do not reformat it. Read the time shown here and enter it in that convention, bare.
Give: {"hour": 2, "minute": 15}
